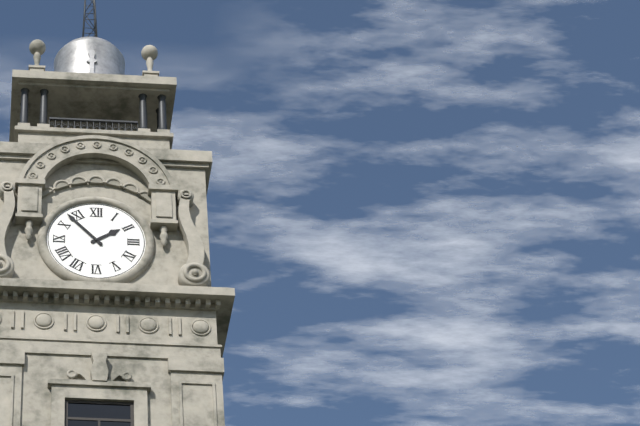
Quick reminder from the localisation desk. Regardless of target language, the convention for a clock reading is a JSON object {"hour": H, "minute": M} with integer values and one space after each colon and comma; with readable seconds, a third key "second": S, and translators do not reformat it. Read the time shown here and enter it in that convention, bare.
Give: {"hour": 1, "minute": 53}
